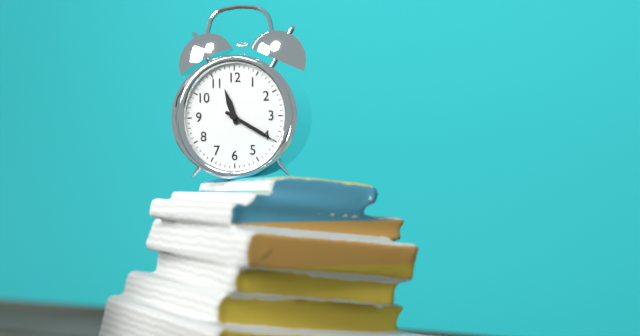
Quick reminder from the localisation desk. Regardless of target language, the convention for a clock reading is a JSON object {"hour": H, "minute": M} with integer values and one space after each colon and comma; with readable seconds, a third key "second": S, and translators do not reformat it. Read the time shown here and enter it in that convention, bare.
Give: {"hour": 11, "minute": 20}
